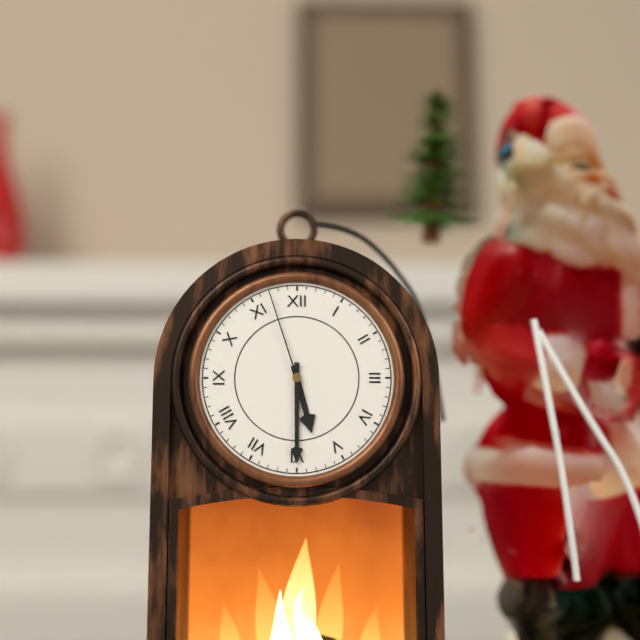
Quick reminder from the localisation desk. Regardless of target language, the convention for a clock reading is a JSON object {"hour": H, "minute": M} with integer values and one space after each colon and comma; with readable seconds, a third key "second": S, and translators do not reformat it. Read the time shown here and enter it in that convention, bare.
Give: {"hour": 5, "minute": 30, "second": 57}
